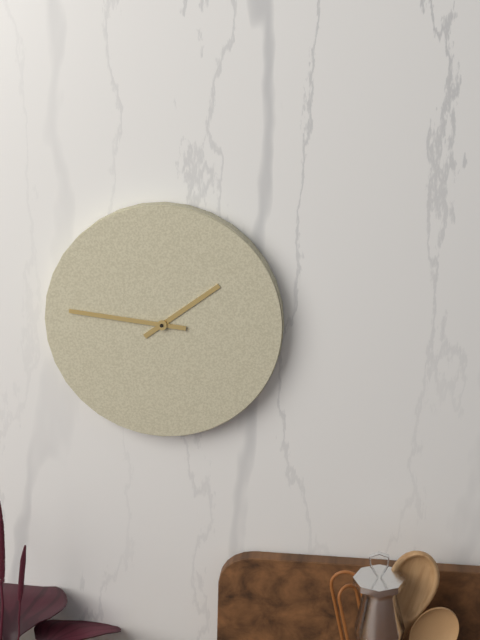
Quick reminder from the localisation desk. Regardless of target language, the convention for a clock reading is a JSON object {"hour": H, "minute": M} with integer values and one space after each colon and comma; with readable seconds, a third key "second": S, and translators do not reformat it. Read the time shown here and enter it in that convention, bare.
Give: {"hour": 1, "minute": 46}
